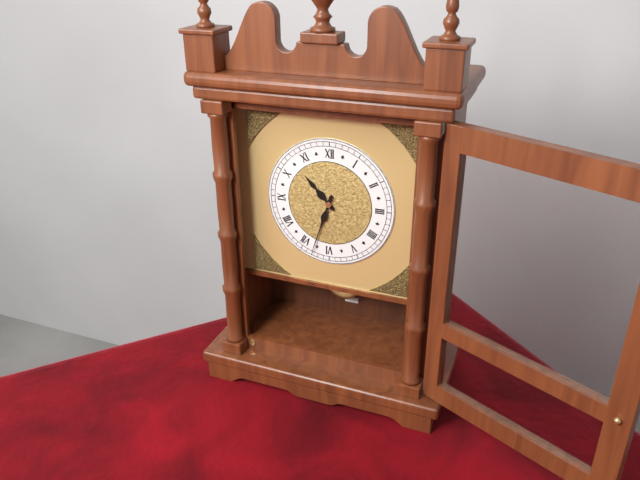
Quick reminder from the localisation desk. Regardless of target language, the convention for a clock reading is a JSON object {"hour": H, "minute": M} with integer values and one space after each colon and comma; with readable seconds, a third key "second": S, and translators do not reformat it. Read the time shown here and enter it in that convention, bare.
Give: {"hour": 10, "minute": 33}
